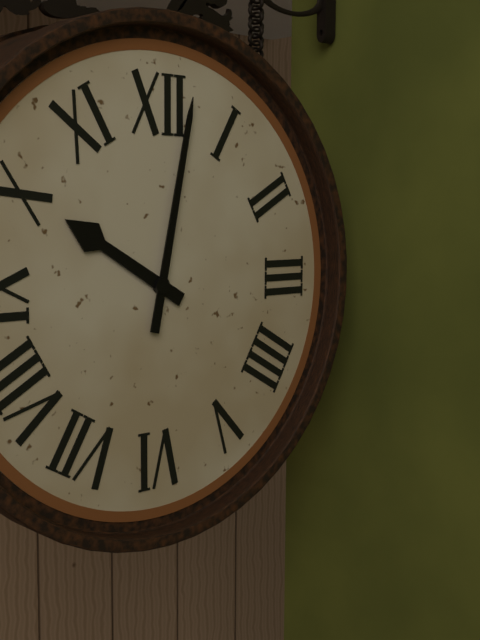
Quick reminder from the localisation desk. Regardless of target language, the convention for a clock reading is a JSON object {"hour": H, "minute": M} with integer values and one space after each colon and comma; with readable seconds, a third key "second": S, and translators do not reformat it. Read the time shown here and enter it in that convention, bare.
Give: {"hour": 10, "minute": 2}
